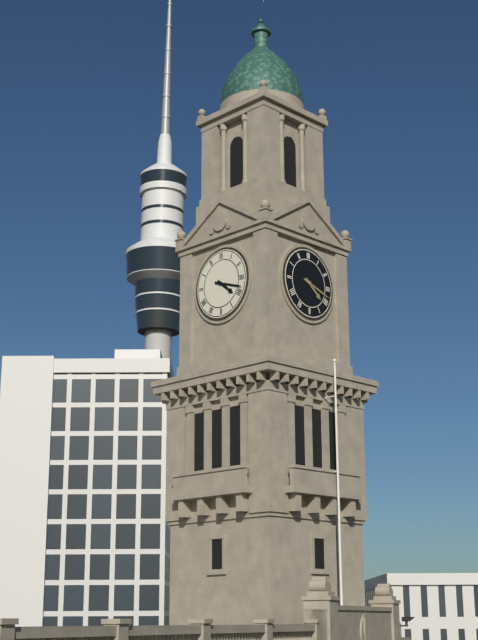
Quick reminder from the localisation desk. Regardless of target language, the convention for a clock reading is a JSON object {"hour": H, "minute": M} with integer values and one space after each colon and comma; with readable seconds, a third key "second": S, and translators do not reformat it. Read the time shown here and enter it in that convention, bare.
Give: {"hour": 4, "minute": 18}
